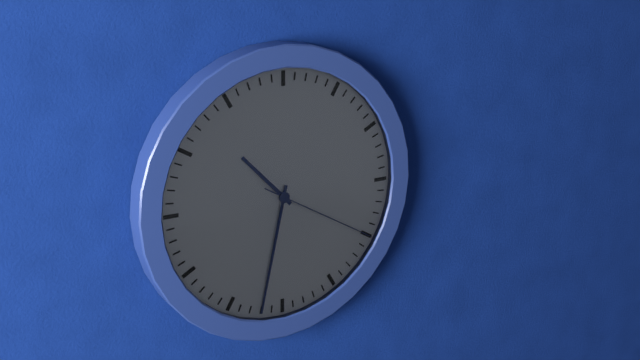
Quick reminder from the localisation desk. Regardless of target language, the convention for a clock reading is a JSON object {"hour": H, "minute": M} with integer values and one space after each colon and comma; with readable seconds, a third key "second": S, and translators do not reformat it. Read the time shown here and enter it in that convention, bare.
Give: {"hour": 10, "minute": 32, "second": 20}
